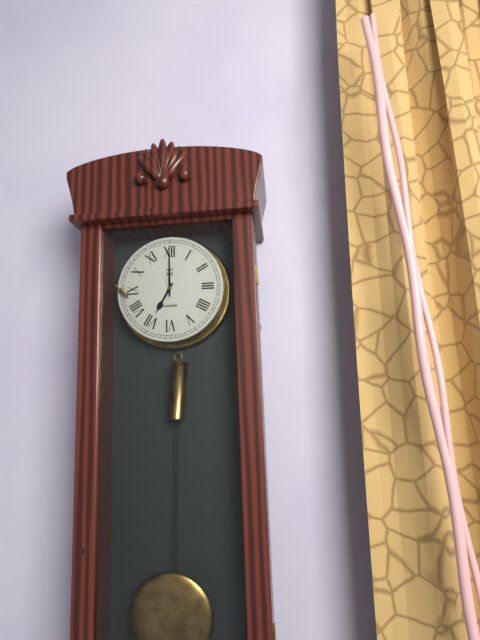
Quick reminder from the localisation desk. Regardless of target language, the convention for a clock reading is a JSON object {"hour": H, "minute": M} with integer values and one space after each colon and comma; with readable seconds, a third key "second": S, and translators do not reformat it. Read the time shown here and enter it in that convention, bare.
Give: {"hour": 7, "minute": 0}
